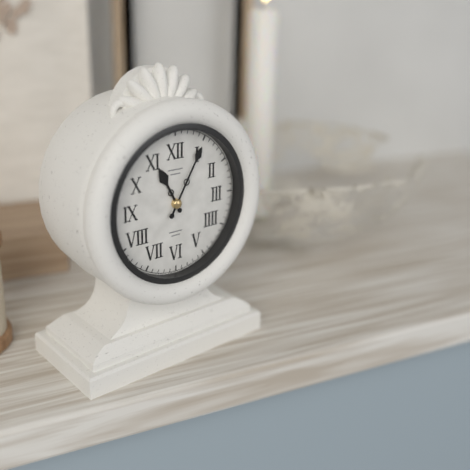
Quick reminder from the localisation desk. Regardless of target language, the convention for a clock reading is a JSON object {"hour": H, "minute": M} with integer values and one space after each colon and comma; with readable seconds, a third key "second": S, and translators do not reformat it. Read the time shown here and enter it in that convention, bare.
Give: {"hour": 11, "minute": 5}
